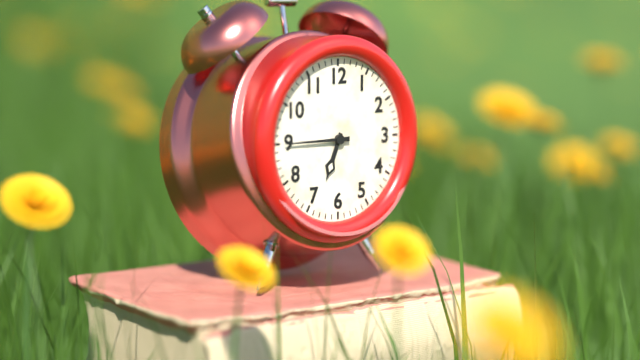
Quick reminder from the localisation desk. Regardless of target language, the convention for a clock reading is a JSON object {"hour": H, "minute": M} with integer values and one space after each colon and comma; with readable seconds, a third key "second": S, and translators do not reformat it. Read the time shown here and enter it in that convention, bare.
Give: {"hour": 6, "minute": 45}
